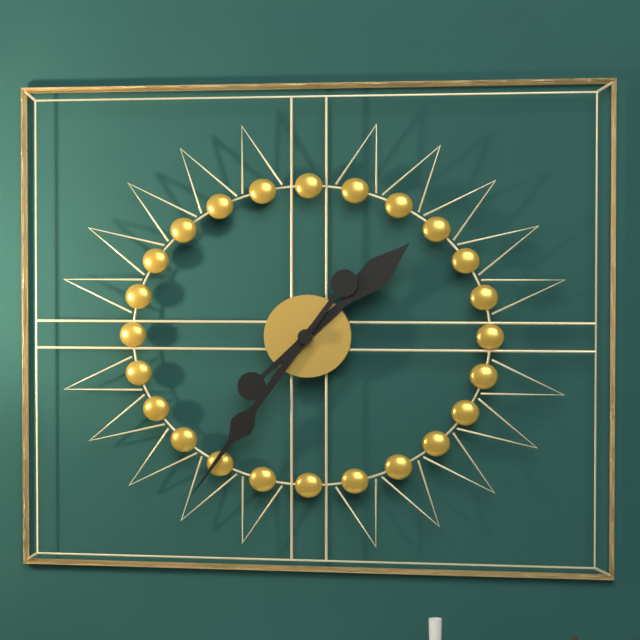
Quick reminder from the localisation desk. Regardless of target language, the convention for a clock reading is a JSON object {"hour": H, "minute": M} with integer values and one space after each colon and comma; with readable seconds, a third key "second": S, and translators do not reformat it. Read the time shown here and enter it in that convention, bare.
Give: {"hour": 1, "minute": 36}
